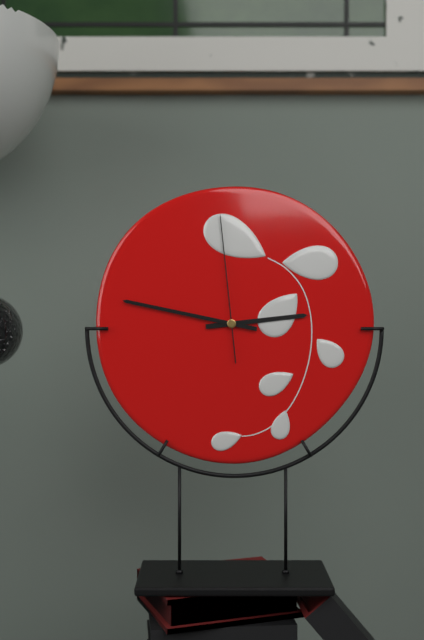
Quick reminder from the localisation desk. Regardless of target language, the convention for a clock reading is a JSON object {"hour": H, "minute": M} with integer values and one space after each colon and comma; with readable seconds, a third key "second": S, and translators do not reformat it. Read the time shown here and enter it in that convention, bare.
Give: {"hour": 2, "minute": 47, "second": 59}
